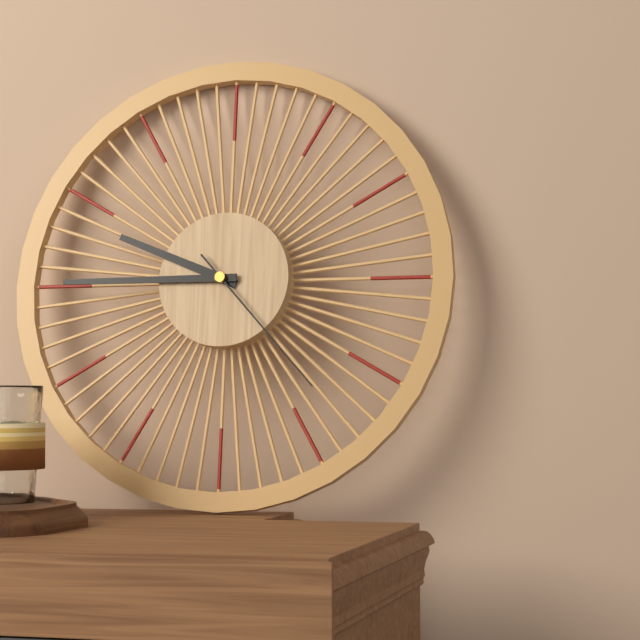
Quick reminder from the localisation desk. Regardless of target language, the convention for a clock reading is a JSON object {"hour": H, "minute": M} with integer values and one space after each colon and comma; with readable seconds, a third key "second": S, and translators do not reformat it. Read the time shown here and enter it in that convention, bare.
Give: {"hour": 9, "minute": 45, "second": 23}
